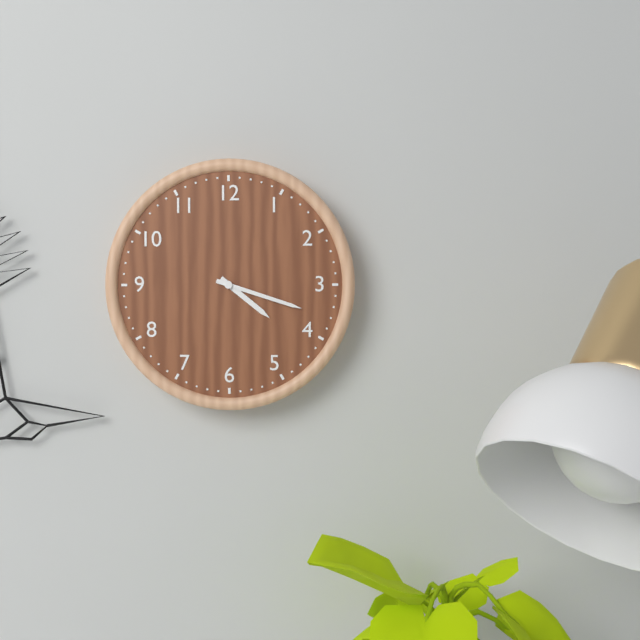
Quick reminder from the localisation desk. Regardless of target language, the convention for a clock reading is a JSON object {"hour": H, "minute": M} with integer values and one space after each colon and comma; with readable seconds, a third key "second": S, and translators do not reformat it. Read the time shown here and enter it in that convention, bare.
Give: {"hour": 4, "minute": 18}
